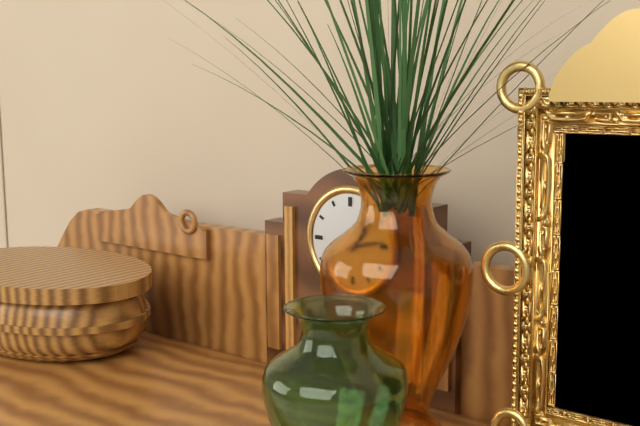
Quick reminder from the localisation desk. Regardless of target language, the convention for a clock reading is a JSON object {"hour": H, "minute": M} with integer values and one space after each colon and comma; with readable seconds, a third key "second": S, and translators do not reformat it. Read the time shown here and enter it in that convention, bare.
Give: {"hour": 1, "minute": 14}
